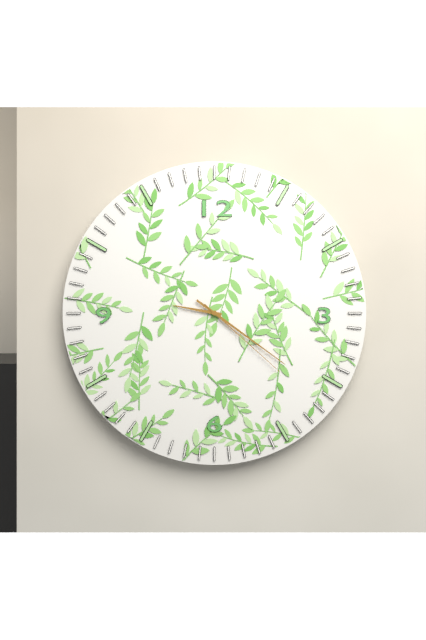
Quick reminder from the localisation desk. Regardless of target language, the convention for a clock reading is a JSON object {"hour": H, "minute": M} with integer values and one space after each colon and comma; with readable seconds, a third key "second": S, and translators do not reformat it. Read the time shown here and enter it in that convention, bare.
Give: {"hour": 9, "minute": 21, "second": 22}
